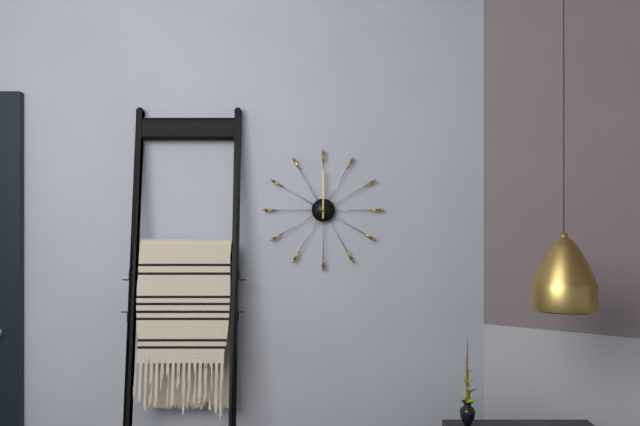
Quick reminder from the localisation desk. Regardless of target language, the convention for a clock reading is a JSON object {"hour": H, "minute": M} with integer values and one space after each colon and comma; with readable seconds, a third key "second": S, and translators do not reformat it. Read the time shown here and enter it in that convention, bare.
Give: {"hour": 12, "minute": 0}
